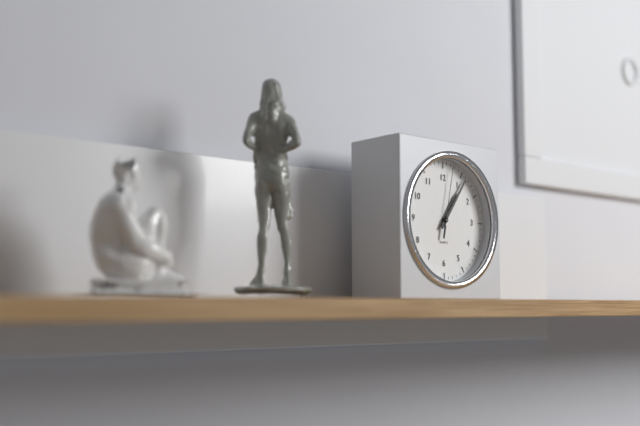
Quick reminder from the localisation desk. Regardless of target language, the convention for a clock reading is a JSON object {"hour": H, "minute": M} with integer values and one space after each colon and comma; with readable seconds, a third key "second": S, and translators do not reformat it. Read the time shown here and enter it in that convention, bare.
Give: {"hour": 1, "minute": 6, "second": 2}
